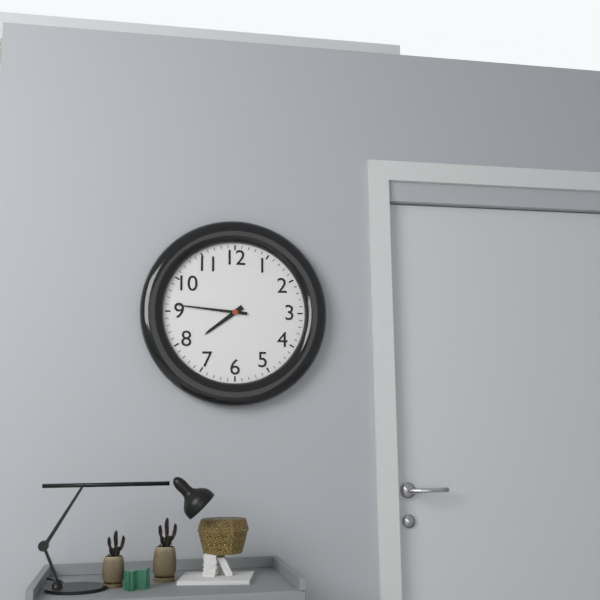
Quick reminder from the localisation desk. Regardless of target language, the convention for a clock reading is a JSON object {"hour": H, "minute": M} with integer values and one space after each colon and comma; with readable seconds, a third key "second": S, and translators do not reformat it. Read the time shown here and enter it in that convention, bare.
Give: {"hour": 7, "minute": 46}
